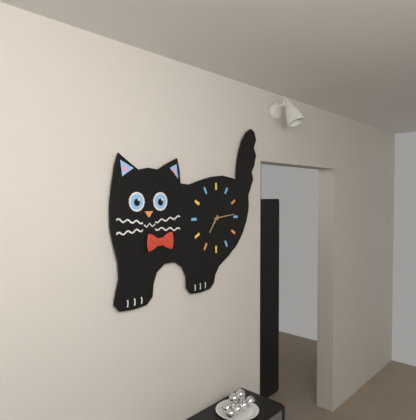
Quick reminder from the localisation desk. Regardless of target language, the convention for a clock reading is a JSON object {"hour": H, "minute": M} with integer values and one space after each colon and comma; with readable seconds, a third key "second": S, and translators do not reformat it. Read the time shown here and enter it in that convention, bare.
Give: {"hour": 7, "minute": 14}
